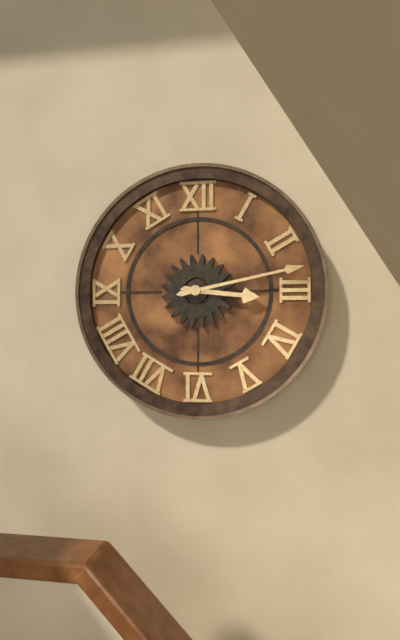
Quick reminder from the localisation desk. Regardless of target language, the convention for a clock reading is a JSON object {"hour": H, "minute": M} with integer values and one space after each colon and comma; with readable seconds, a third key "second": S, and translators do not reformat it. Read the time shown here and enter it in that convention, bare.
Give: {"hour": 3, "minute": 13}
